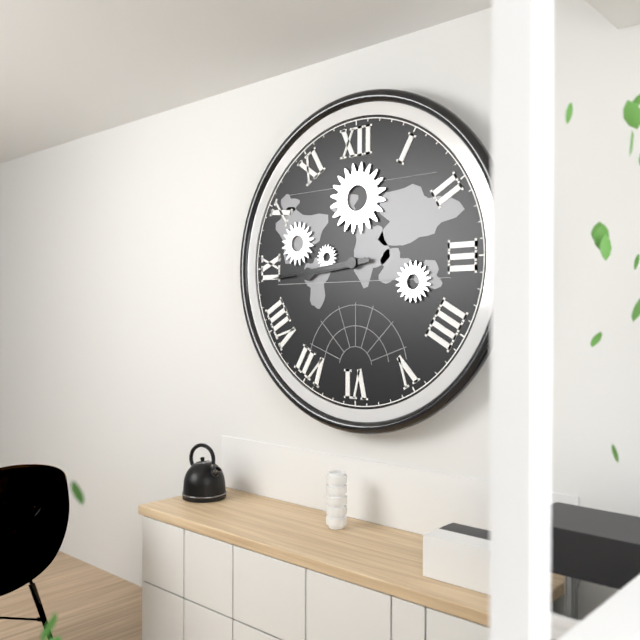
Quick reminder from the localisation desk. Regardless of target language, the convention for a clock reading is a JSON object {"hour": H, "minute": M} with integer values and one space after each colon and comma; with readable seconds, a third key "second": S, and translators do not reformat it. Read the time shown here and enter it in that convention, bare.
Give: {"hour": 8, "minute": 44}
